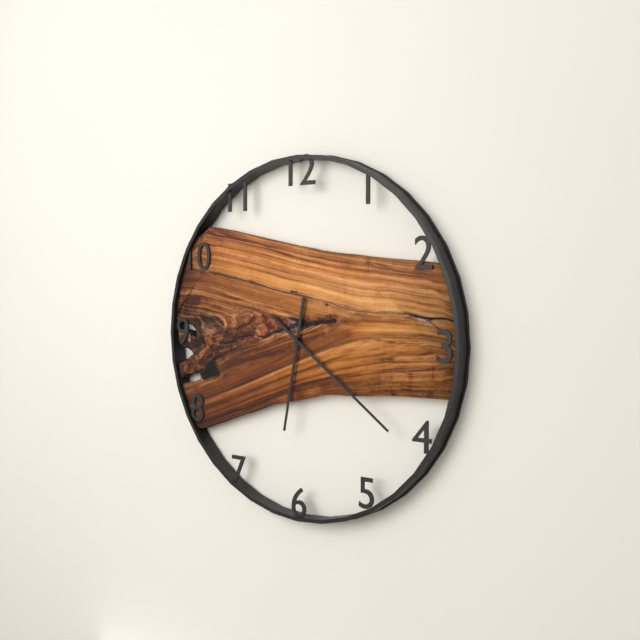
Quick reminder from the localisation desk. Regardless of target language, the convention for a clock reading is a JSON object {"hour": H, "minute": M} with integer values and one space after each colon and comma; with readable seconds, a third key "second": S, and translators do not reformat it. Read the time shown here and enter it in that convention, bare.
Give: {"hour": 6, "minute": 21}
